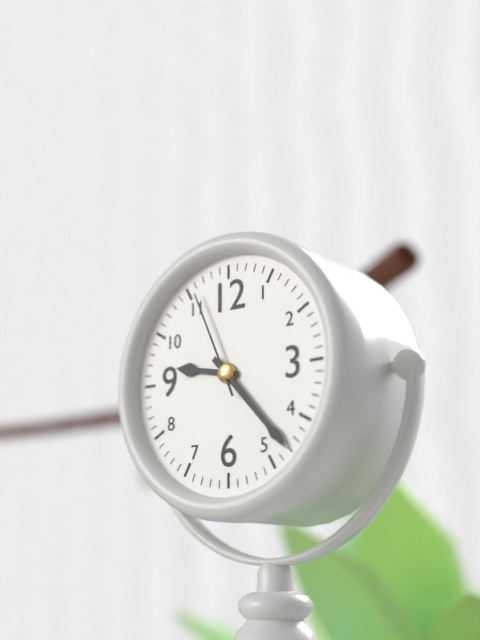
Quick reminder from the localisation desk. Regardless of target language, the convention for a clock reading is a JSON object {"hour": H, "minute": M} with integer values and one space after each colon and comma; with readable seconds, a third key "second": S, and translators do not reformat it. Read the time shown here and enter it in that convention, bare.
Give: {"hour": 9, "minute": 23, "second": 56}
